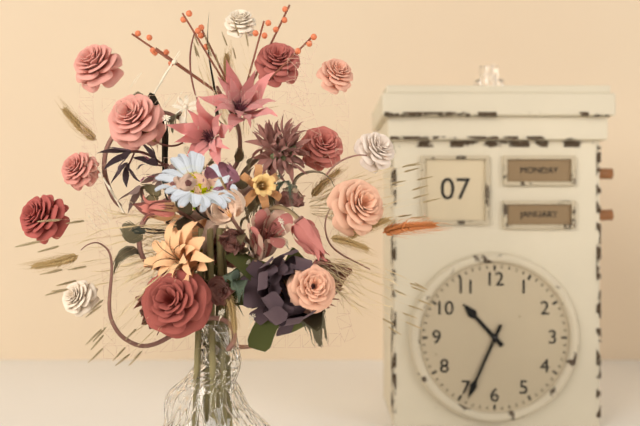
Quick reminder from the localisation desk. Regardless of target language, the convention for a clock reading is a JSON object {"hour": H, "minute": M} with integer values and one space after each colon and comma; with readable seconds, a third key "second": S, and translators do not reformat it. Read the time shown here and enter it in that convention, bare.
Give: {"hour": 10, "minute": 34}
